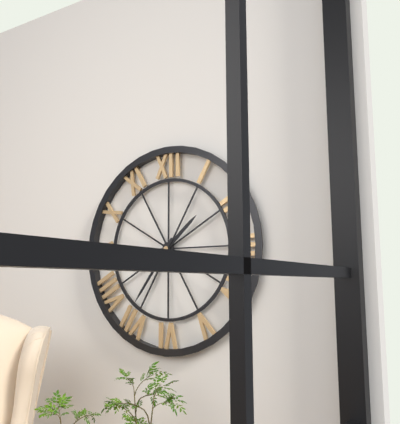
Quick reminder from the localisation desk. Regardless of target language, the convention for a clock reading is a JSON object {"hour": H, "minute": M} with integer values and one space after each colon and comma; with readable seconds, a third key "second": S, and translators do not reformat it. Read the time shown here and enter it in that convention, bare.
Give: {"hour": 1, "minute": 36}
